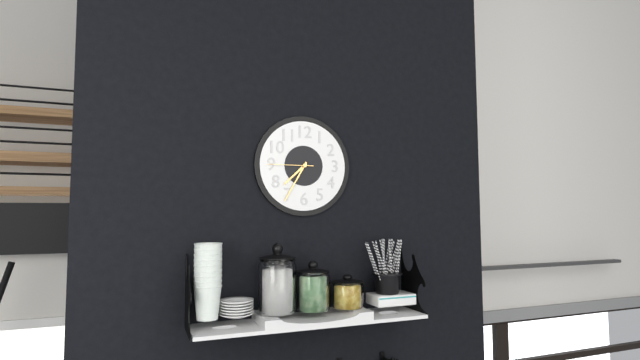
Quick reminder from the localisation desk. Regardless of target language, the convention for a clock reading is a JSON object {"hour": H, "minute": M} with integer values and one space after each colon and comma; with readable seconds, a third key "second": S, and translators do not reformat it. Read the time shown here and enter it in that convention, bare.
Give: {"hour": 7, "minute": 35}
